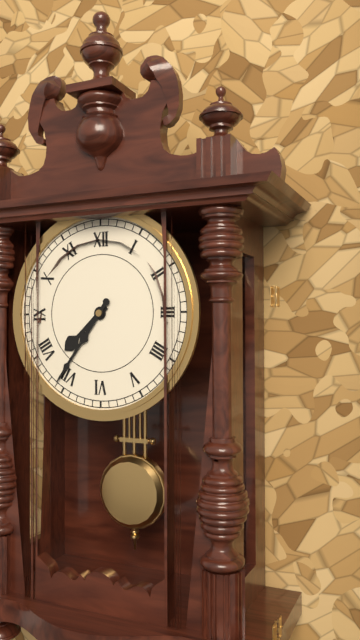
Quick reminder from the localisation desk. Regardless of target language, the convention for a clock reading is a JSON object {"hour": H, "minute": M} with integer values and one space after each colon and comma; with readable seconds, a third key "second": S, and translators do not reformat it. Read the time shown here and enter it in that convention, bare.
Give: {"hour": 7, "minute": 36}
